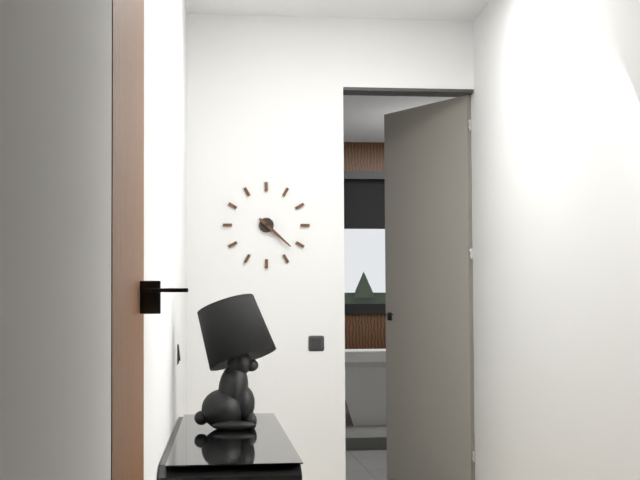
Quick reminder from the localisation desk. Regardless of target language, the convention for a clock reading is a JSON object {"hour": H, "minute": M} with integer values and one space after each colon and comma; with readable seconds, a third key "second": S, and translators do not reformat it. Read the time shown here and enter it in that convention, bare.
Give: {"hour": 4, "minute": 22}
